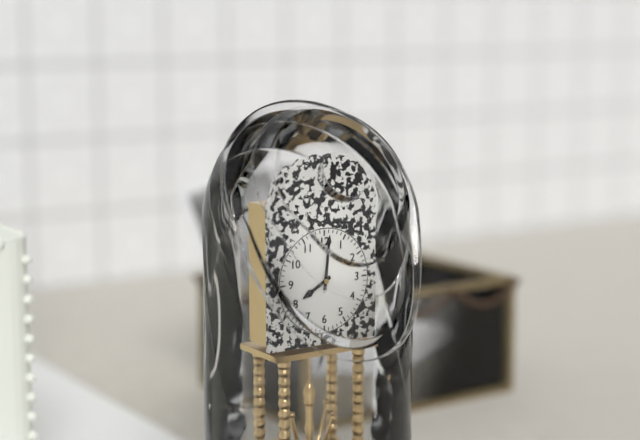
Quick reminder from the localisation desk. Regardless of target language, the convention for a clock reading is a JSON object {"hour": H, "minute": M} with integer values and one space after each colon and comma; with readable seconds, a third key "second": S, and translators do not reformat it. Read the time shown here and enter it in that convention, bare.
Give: {"hour": 8, "minute": 1}
